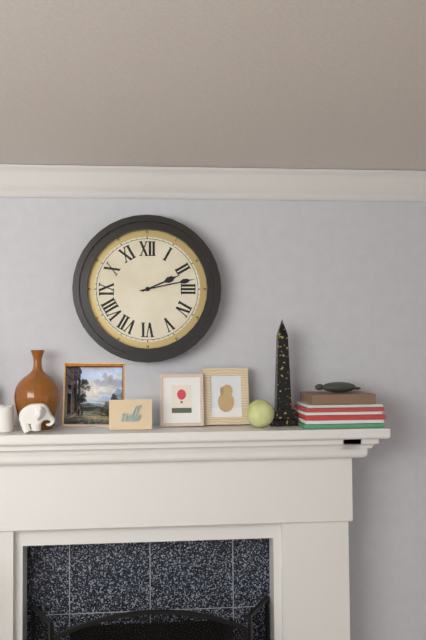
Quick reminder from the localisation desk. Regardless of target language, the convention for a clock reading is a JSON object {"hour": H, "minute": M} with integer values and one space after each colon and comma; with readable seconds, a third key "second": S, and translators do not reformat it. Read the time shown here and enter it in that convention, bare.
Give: {"hour": 2, "minute": 13}
